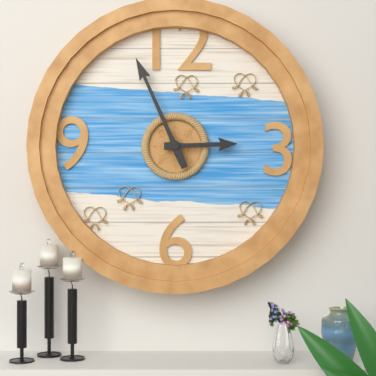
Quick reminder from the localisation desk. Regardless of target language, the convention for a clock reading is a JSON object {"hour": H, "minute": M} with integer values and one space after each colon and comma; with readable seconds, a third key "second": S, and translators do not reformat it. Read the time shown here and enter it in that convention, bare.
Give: {"hour": 2, "minute": 56}
